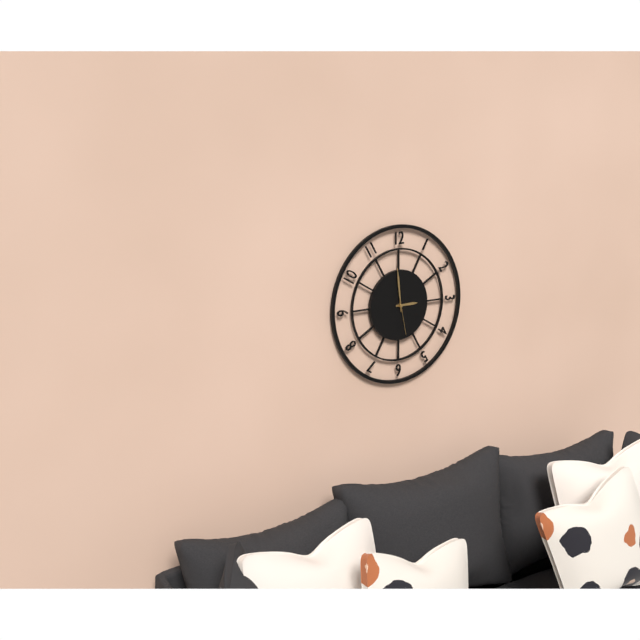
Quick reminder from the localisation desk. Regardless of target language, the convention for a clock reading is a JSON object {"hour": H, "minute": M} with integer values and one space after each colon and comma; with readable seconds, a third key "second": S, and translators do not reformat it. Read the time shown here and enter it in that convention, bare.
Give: {"hour": 2, "minute": 59}
